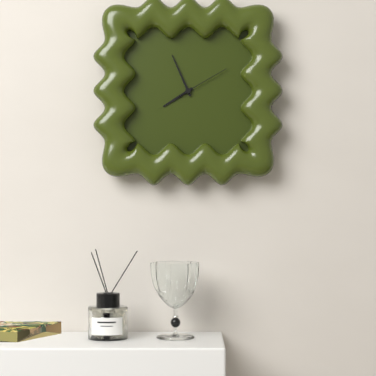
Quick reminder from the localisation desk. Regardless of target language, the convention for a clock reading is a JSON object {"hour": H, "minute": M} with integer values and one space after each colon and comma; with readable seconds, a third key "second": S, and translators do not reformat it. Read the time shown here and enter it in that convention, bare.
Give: {"hour": 7, "minute": 56, "second": 10}
